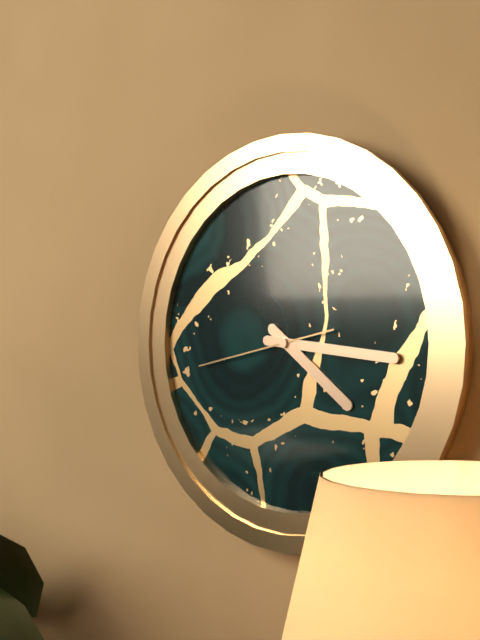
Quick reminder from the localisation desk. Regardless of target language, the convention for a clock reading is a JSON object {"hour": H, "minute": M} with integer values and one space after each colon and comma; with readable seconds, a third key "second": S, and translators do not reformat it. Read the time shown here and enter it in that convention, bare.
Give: {"hour": 4, "minute": 16, "second": 43}
